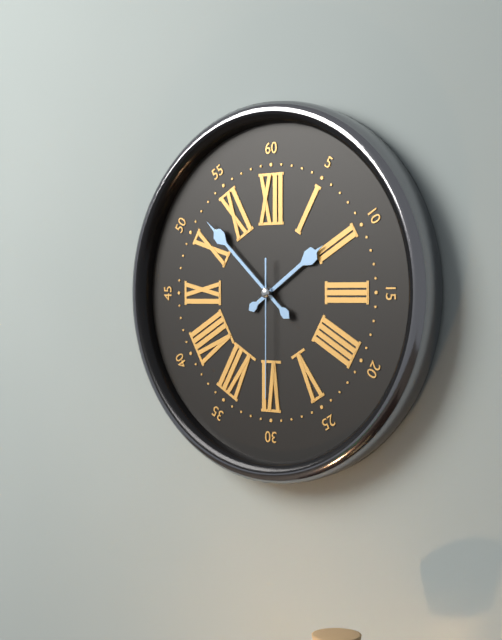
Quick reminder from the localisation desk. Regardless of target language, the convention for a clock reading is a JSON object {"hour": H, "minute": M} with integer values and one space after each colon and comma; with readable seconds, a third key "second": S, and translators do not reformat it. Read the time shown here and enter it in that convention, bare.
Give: {"hour": 1, "minute": 52, "second": 30}
